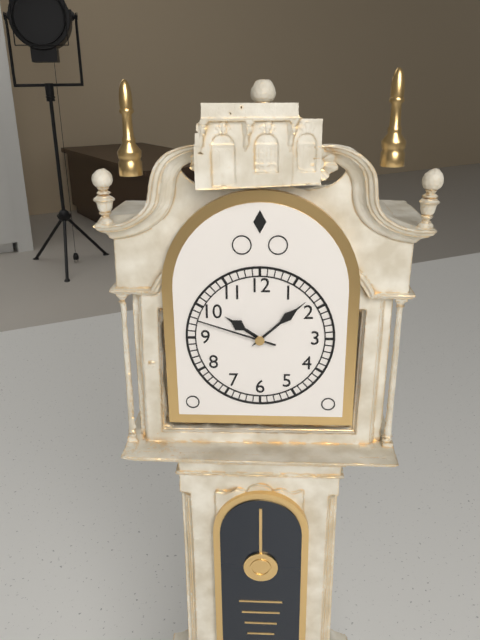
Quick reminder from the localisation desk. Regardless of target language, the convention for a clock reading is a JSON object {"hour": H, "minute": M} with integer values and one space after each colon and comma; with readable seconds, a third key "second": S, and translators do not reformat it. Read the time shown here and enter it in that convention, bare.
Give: {"hour": 10, "minute": 8, "second": 48}
